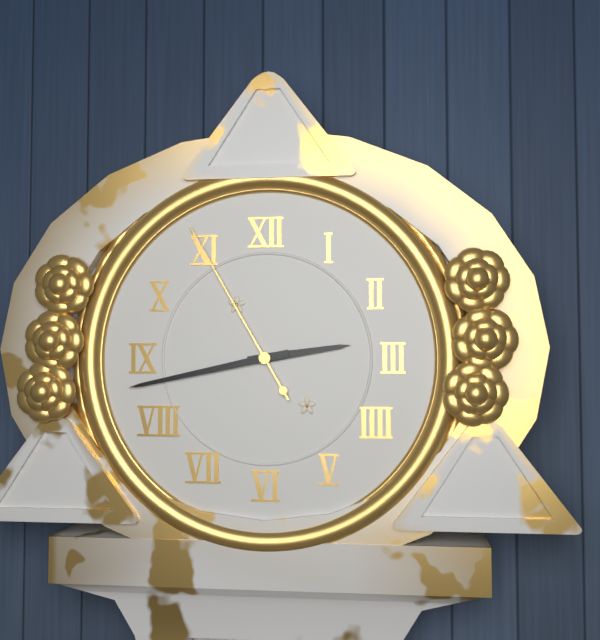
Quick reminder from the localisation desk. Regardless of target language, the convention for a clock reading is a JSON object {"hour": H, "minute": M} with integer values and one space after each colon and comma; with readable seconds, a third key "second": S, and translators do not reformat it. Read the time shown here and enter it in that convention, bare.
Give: {"hour": 2, "minute": 43, "second": 55}
